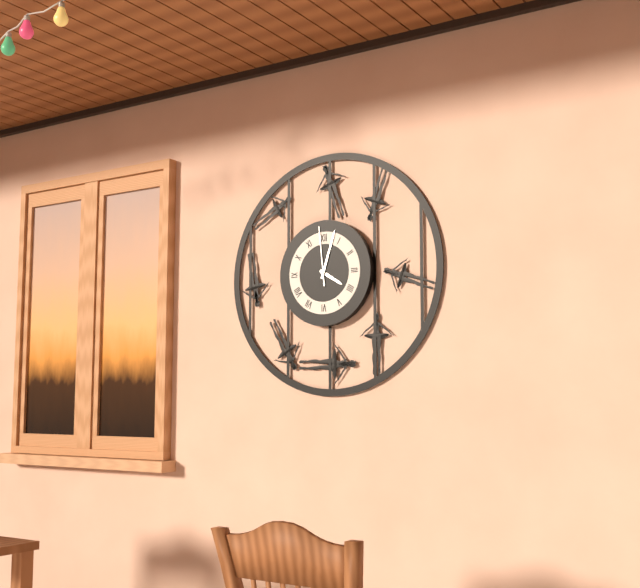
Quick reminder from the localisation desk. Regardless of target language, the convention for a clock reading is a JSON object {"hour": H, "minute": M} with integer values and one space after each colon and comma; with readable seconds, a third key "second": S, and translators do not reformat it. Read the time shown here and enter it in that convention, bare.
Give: {"hour": 4, "minute": 3, "second": 59}
